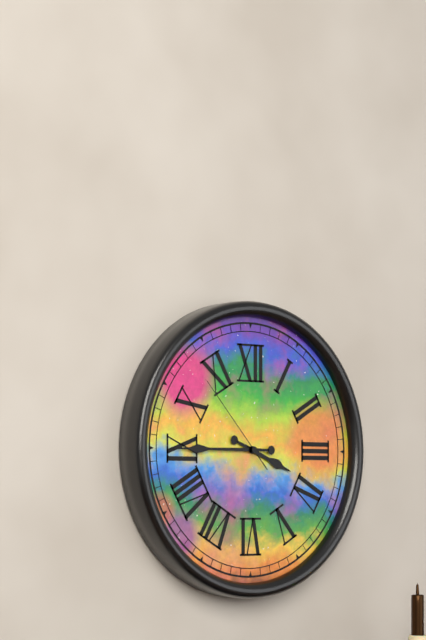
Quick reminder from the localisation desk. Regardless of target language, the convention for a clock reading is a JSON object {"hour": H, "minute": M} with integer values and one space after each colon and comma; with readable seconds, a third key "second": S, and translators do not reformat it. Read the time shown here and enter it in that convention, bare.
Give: {"hour": 3, "minute": 45, "second": 53}
